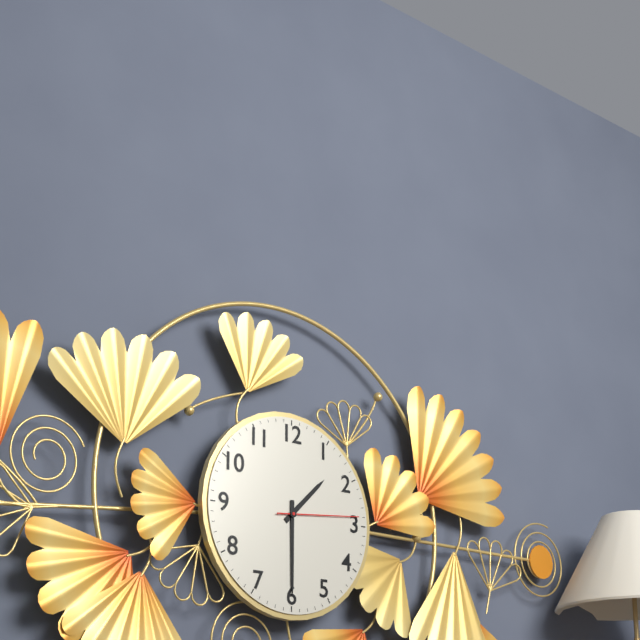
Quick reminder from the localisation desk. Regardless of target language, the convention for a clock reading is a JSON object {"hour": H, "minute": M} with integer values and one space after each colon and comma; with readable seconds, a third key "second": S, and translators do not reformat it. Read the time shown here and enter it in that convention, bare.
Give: {"hour": 1, "minute": 30, "second": 14}
